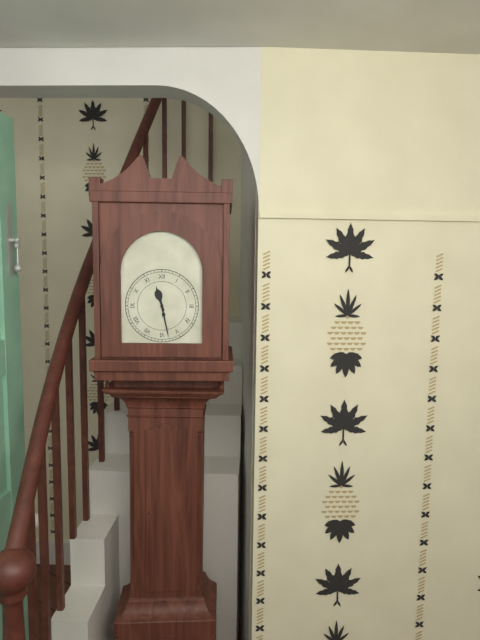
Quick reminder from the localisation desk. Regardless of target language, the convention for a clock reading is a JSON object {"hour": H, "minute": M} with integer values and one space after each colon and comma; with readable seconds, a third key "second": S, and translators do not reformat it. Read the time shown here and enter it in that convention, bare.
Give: {"hour": 11, "minute": 28}
